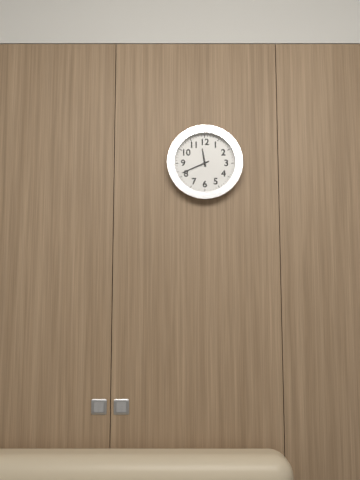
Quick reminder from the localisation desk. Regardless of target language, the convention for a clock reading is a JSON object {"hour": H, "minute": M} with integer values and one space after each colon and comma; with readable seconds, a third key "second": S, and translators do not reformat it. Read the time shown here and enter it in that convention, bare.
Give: {"hour": 11, "minute": 41}
